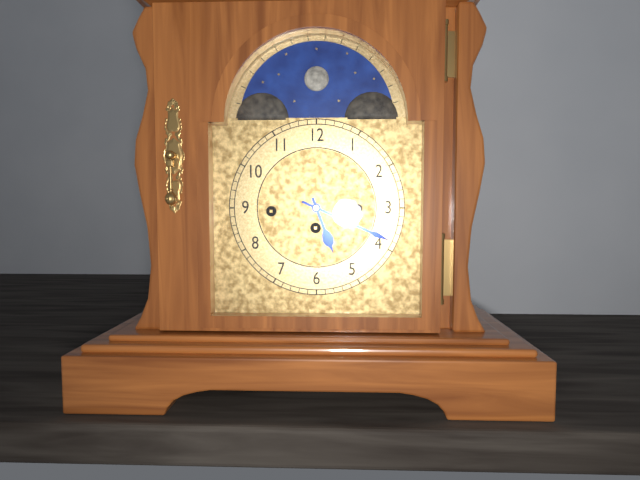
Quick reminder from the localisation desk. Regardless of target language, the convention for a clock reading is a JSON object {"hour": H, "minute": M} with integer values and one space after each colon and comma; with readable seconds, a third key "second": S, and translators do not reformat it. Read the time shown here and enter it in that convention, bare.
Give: {"hour": 5, "minute": 19}
